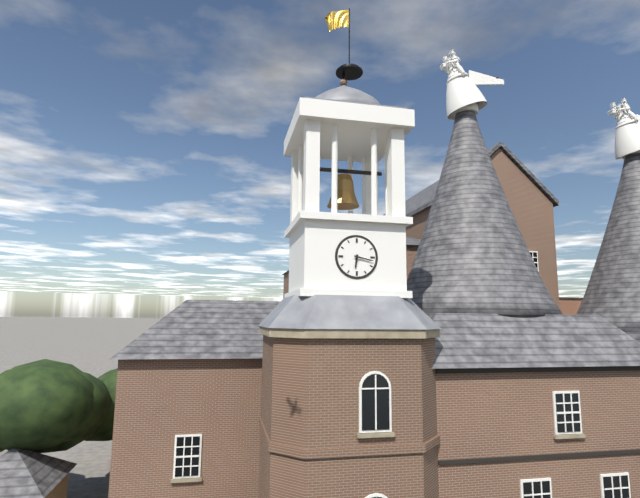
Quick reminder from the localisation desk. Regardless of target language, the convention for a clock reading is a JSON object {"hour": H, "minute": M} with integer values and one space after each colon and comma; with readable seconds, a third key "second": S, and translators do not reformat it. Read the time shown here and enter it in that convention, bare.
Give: {"hour": 6, "minute": 17}
